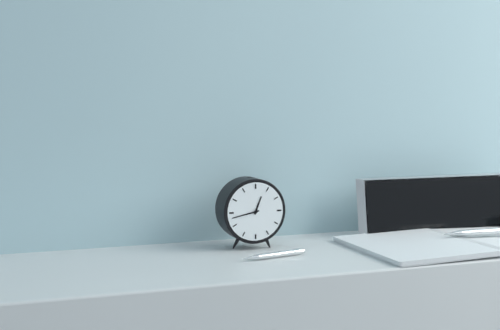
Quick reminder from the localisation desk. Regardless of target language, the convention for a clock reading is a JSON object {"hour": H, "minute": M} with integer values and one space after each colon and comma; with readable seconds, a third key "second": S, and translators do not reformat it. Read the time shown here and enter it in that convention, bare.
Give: {"hour": 12, "minute": 43}
